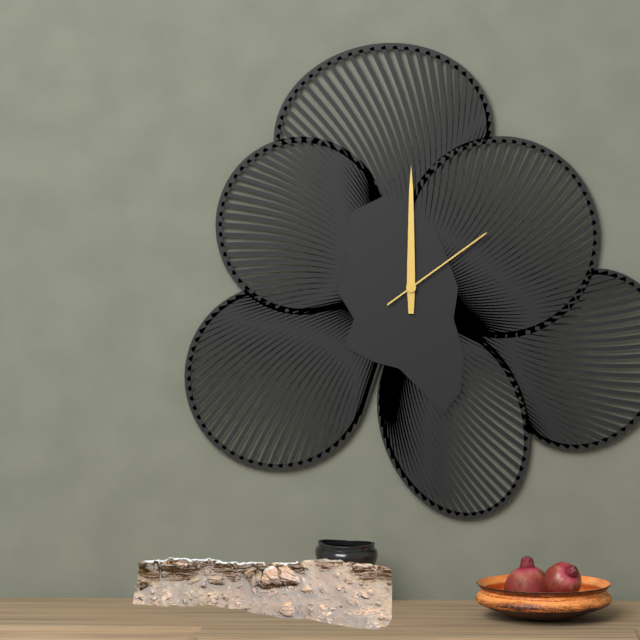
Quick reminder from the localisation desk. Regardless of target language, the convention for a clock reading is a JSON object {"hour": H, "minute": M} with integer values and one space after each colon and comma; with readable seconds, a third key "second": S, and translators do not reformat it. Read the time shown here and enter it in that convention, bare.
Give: {"hour": 12, "minute": 0, "second": 9}
